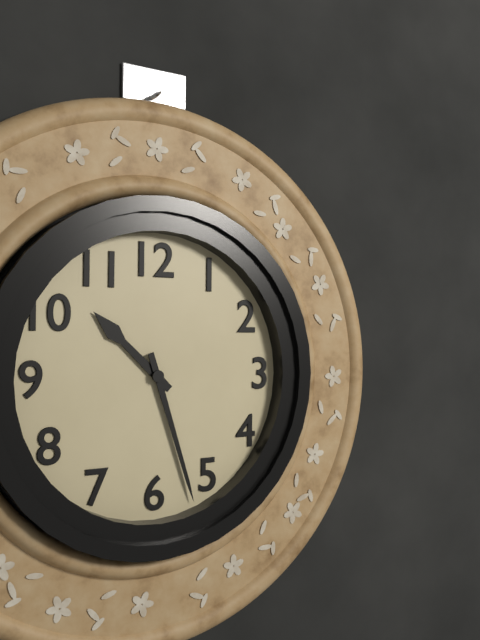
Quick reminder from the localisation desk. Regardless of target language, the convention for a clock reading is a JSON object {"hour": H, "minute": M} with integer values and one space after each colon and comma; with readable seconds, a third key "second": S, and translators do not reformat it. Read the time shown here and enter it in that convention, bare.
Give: {"hour": 10, "minute": 27}
